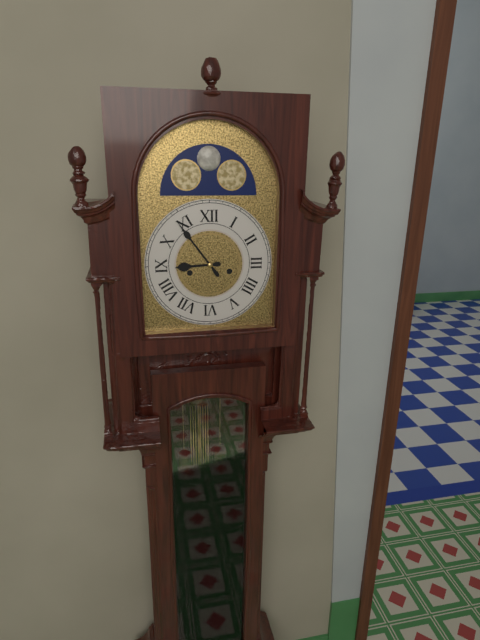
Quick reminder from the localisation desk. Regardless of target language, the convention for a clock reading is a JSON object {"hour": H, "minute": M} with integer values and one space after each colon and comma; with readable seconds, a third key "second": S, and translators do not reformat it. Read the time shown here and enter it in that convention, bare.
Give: {"hour": 8, "minute": 54}
